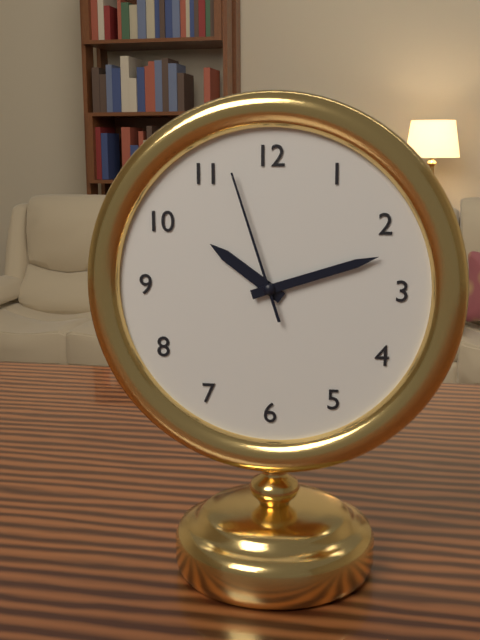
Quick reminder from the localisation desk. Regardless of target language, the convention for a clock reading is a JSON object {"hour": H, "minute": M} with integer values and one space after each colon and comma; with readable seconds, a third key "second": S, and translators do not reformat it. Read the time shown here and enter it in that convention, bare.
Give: {"hour": 10, "minute": 12, "second": 57}
